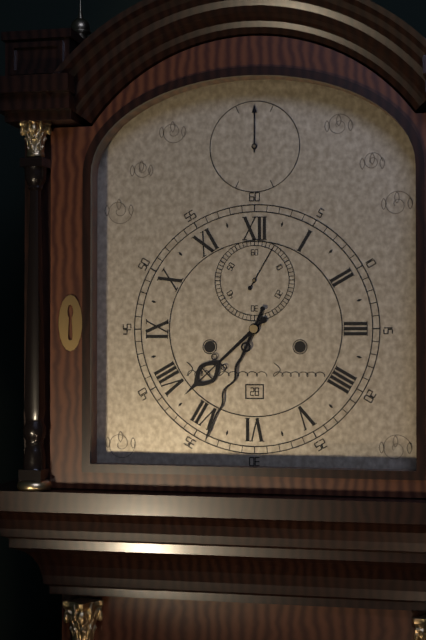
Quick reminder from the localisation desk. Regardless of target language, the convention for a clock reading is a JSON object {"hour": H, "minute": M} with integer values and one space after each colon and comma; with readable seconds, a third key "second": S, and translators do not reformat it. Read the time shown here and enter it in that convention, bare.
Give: {"hour": 7, "minute": 34}
